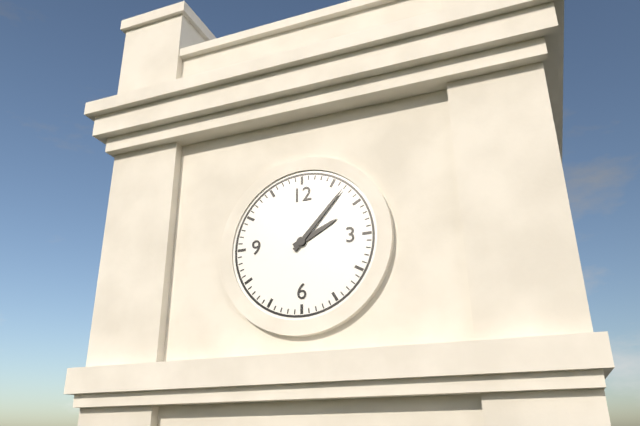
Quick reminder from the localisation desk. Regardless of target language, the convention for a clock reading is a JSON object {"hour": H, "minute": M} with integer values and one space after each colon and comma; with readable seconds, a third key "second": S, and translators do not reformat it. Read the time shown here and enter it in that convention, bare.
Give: {"hour": 2, "minute": 7}
